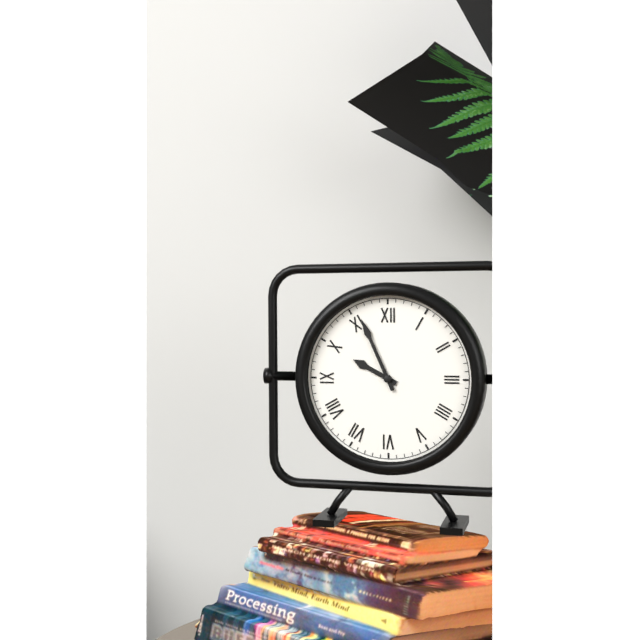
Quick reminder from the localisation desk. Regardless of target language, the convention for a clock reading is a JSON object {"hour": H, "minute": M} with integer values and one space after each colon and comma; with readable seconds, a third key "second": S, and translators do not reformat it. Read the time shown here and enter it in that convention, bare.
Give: {"hour": 9, "minute": 56}
